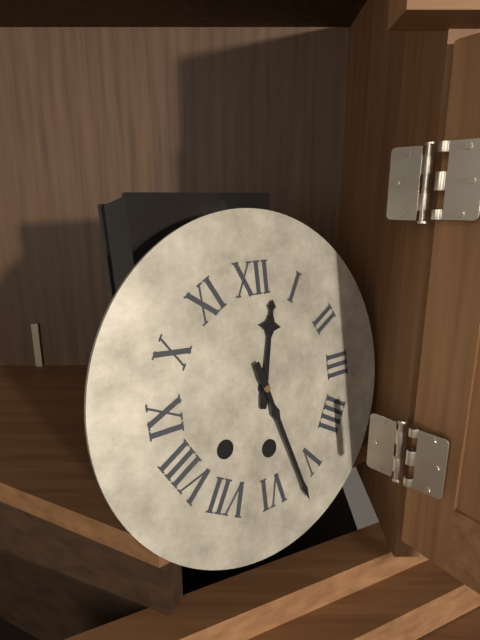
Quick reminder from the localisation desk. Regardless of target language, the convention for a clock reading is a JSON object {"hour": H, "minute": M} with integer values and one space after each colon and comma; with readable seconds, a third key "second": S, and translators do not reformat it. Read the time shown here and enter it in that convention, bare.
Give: {"hour": 12, "minute": 27}
